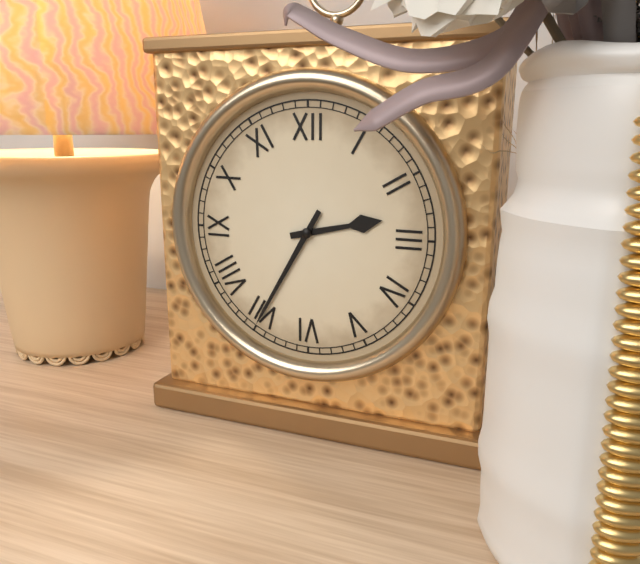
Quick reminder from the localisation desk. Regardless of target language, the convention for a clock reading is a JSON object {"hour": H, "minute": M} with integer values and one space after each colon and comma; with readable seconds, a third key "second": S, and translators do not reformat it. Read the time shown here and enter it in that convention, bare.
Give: {"hour": 2, "minute": 35}
